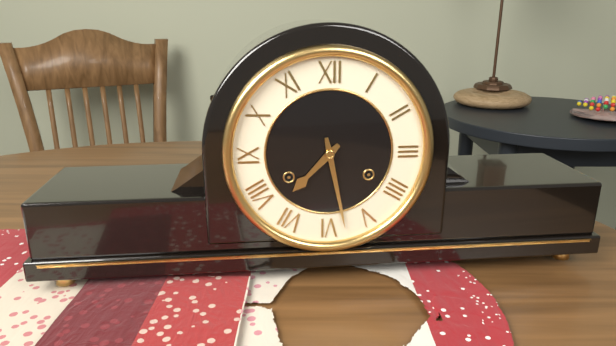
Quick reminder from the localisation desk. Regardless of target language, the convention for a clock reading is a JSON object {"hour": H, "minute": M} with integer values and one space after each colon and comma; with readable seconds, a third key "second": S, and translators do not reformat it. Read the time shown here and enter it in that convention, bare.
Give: {"hour": 7, "minute": 28}
